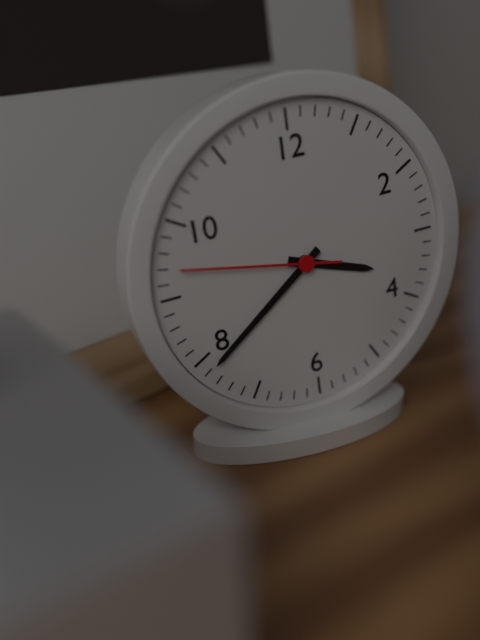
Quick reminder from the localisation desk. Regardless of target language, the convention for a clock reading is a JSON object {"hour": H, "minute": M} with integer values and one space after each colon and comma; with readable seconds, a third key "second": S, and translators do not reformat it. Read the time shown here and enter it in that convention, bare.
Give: {"hour": 3, "minute": 39, "second": 47}
